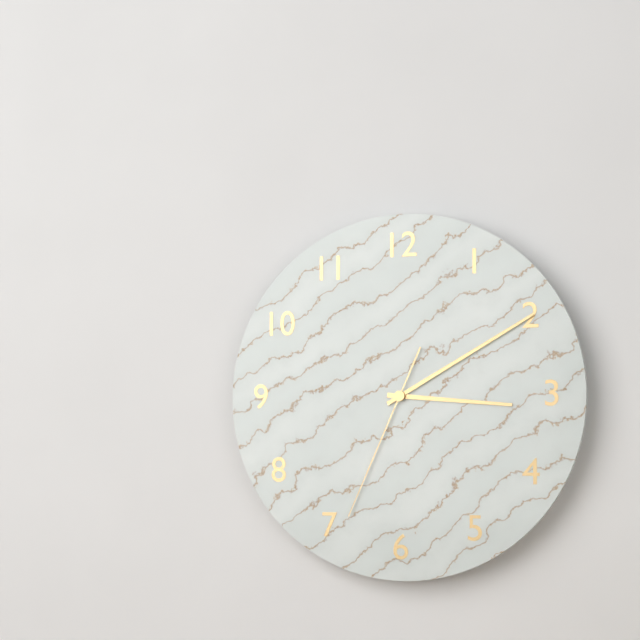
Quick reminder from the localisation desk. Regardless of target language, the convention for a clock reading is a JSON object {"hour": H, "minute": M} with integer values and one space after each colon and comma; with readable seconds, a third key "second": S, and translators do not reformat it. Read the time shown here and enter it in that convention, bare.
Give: {"hour": 3, "minute": 10, "second": 34}
